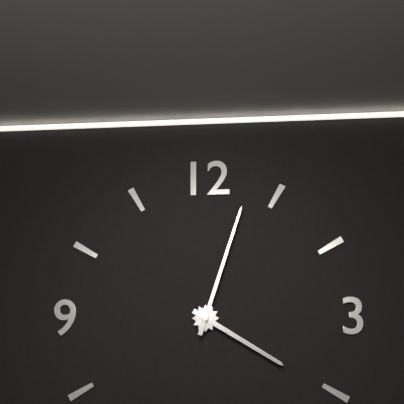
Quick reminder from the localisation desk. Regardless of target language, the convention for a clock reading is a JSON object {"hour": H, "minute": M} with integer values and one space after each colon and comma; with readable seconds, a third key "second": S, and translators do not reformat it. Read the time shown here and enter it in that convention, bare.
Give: {"hour": 4, "minute": 3}
